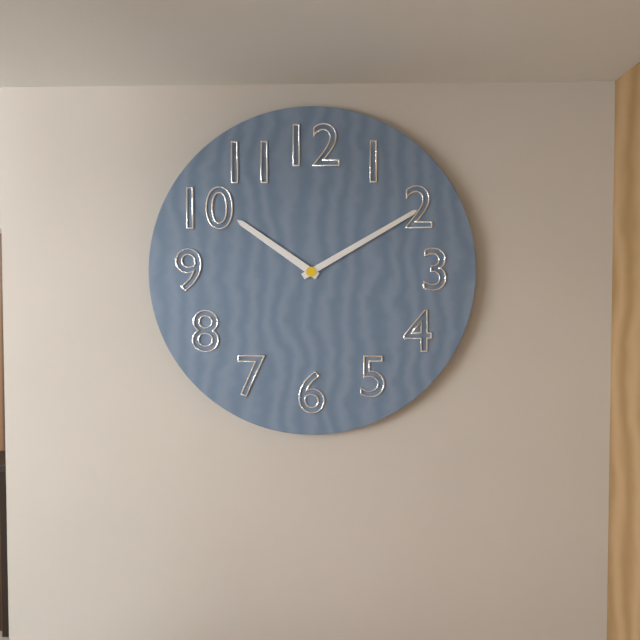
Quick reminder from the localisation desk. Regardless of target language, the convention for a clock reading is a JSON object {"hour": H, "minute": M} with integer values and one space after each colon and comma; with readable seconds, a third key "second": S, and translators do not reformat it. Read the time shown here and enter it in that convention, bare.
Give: {"hour": 10, "minute": 10}
